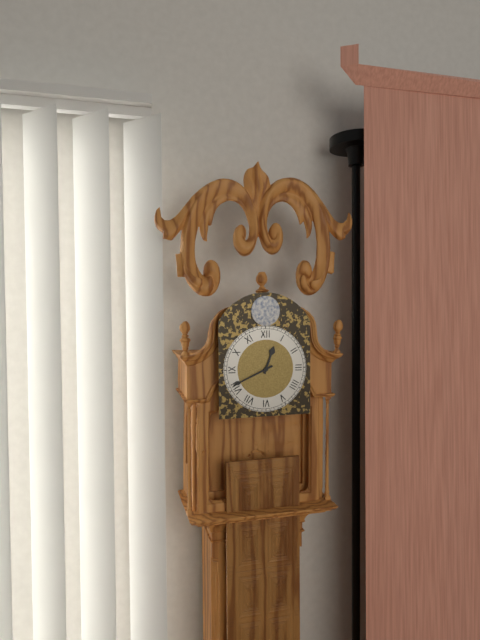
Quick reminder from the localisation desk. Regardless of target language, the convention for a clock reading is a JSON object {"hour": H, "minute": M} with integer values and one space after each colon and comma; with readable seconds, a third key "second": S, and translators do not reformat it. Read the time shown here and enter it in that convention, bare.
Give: {"hour": 12, "minute": 41}
